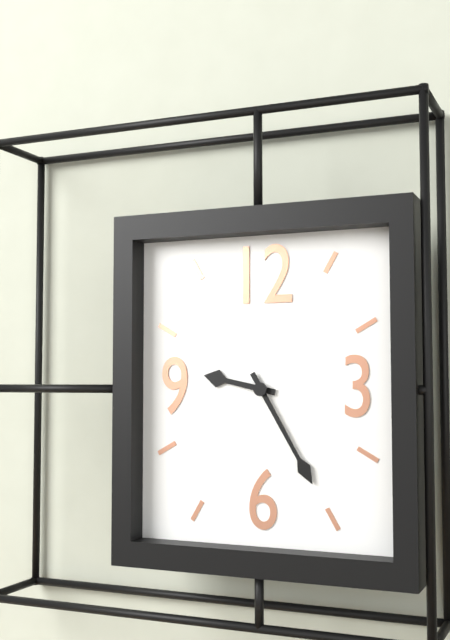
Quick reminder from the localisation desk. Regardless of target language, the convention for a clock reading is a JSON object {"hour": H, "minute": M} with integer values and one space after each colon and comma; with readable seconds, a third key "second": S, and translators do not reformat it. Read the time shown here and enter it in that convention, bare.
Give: {"hour": 9, "minute": 25}
